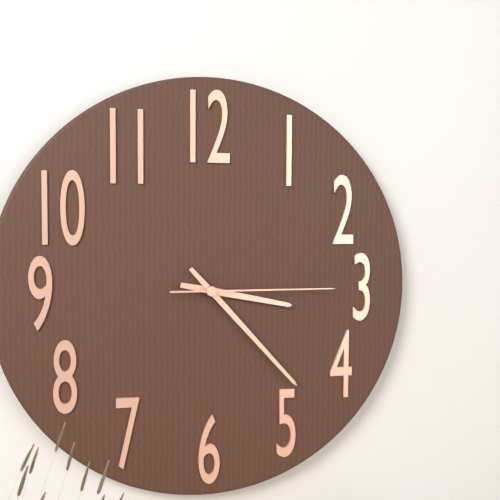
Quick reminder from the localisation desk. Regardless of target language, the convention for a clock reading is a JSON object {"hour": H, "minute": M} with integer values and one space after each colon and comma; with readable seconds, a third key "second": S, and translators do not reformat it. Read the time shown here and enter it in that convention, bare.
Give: {"hour": 3, "minute": 23, "second": 15}
